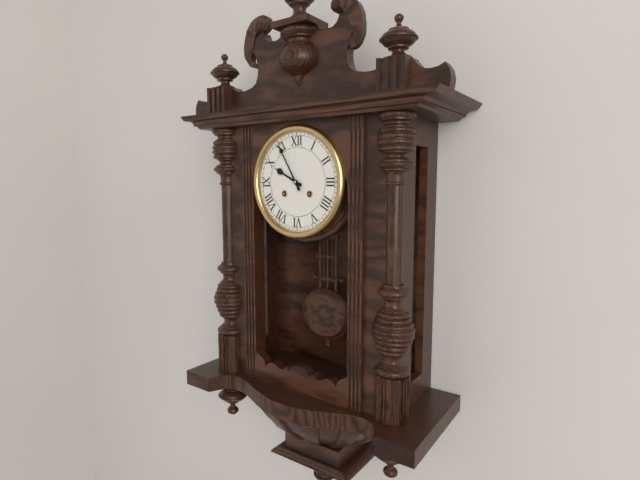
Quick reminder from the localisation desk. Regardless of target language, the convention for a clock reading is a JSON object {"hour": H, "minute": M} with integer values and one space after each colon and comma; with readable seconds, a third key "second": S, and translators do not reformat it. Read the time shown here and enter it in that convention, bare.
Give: {"hour": 9, "minute": 55}
